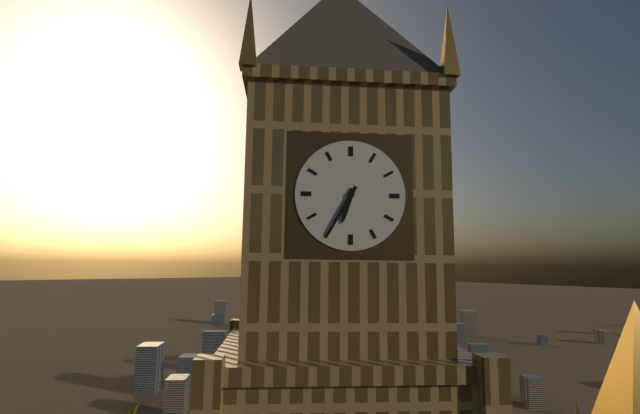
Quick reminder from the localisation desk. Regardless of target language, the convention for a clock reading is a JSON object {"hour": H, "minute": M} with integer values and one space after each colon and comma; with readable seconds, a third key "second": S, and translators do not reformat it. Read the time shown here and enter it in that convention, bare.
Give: {"hour": 6, "minute": 35}
